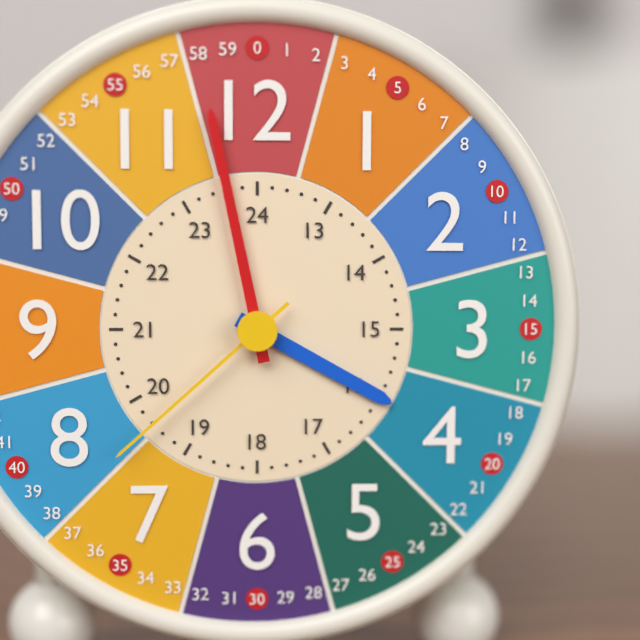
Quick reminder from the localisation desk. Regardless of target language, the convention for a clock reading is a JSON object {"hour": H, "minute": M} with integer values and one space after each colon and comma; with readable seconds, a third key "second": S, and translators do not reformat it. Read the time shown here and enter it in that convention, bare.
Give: {"hour": 3, "minute": 58, "second": 38}
